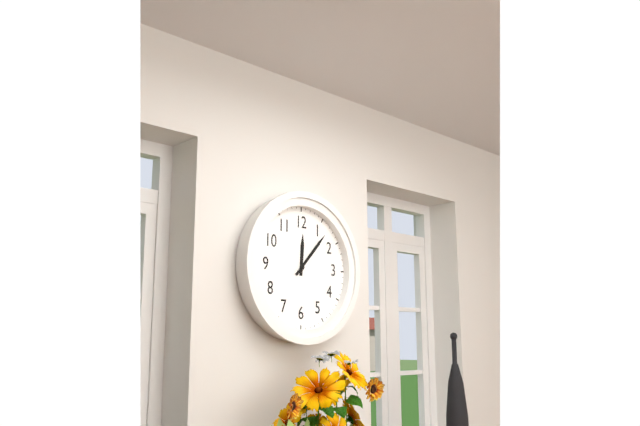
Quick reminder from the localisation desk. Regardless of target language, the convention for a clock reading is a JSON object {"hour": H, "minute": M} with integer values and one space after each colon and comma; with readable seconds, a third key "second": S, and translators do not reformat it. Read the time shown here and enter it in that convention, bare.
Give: {"hour": 12, "minute": 7}
